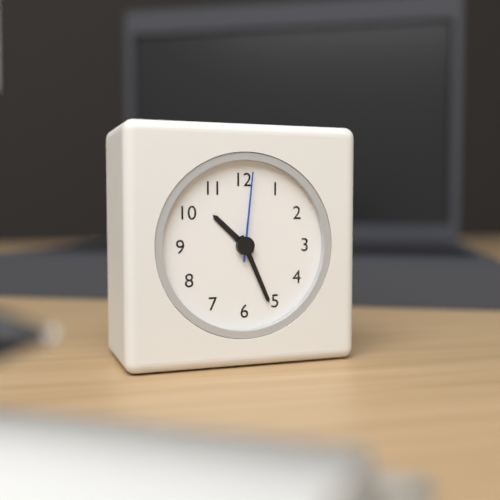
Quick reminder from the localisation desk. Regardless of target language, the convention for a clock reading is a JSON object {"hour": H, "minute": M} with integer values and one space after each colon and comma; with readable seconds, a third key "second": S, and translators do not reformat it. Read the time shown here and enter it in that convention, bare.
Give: {"hour": 10, "minute": 26, "second": 1}
